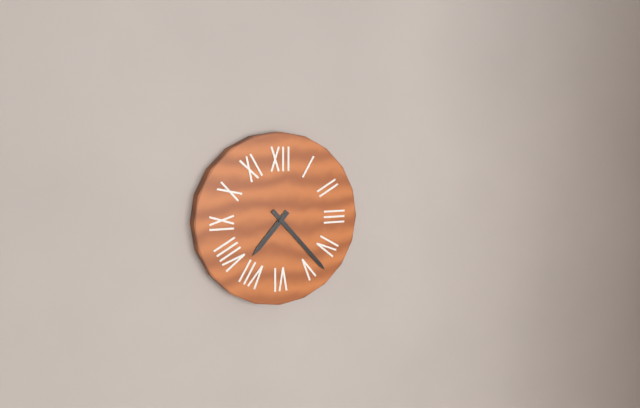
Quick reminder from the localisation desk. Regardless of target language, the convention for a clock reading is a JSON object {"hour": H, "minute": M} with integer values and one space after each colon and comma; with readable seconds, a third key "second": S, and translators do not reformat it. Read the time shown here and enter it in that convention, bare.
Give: {"hour": 7, "minute": 23}
